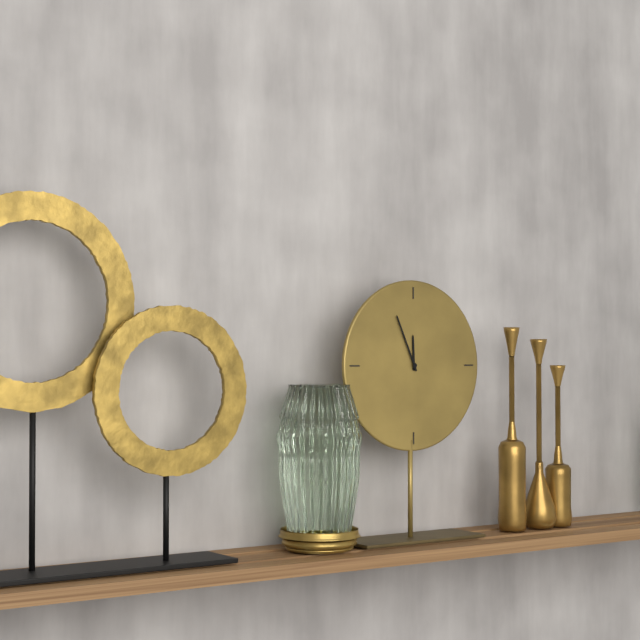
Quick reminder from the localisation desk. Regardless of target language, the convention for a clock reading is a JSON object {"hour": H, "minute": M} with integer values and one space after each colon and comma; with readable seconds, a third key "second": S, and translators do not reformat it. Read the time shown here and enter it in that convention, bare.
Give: {"hour": 11, "minute": 56}
